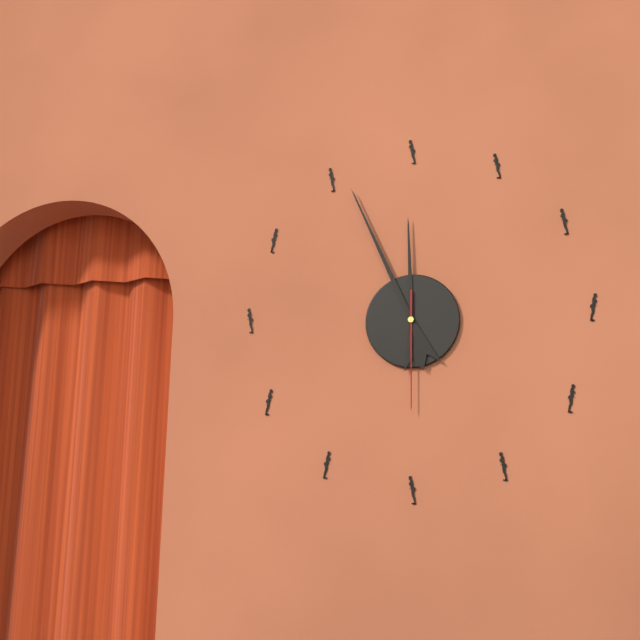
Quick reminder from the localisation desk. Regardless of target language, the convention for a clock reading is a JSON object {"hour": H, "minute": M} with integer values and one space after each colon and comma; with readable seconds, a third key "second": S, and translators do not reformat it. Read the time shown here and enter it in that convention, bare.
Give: {"hour": 11, "minute": 56, "second": 30}
